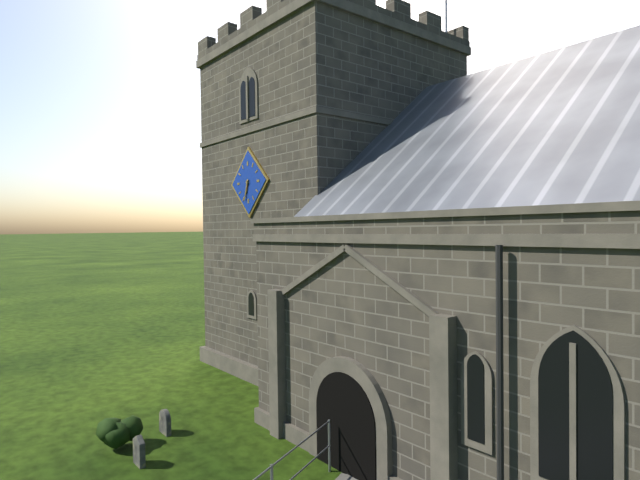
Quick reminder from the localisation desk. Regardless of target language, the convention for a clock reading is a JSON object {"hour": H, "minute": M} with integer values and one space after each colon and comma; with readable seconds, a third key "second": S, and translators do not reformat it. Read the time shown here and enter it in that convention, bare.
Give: {"hour": 6, "minute": 33}
